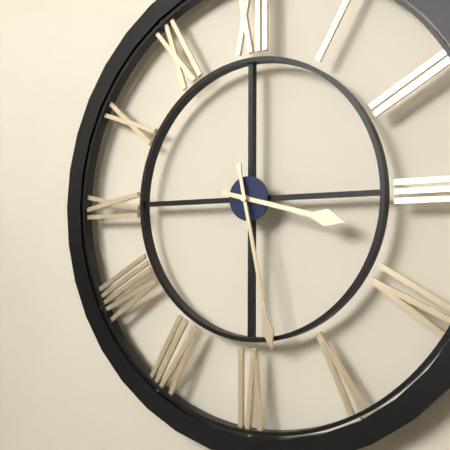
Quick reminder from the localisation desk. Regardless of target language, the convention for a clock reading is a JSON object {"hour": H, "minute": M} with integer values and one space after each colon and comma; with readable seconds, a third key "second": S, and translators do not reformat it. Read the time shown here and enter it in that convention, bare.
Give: {"hour": 3, "minute": 28}
